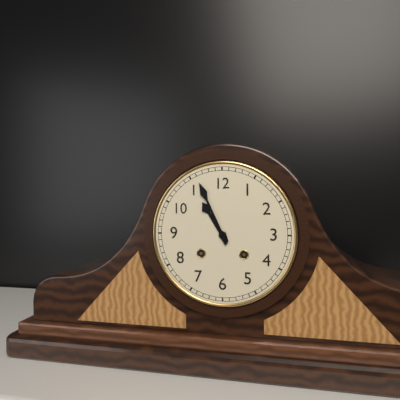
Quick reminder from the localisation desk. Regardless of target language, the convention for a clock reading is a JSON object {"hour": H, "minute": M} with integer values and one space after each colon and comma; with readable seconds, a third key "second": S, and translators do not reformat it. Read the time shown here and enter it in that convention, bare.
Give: {"hour": 10, "minute": 56}
